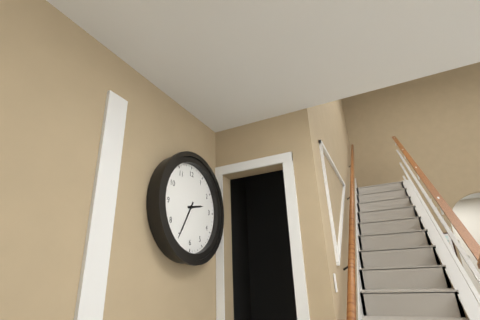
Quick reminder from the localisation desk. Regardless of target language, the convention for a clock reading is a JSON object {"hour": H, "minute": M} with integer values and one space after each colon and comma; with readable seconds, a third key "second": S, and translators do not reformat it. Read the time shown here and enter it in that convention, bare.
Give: {"hour": 2, "minute": 35}
